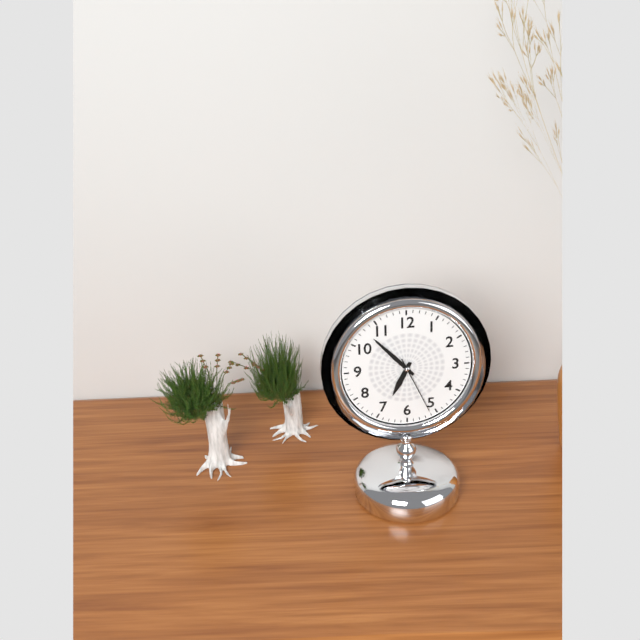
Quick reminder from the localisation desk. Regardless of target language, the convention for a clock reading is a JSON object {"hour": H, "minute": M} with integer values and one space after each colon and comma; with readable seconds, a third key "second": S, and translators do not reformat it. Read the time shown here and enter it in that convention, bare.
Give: {"hour": 6, "minute": 53, "second": 26}
